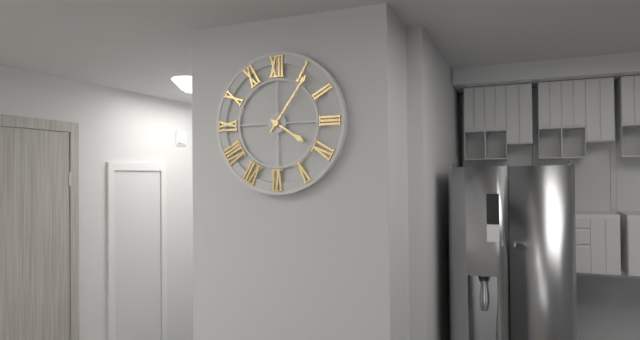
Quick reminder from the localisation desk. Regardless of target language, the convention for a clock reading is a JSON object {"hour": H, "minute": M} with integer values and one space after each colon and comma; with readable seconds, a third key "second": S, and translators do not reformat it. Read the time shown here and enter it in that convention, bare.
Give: {"hour": 4, "minute": 6}
